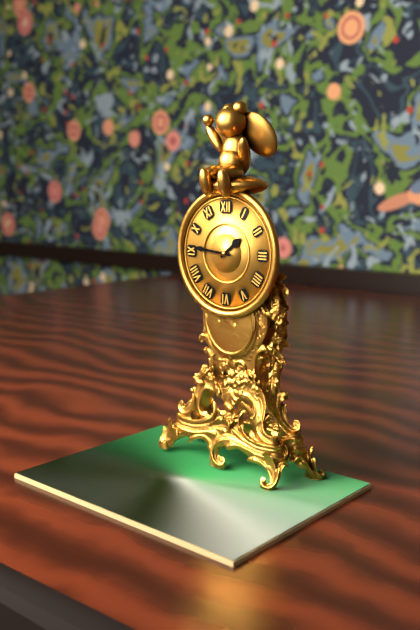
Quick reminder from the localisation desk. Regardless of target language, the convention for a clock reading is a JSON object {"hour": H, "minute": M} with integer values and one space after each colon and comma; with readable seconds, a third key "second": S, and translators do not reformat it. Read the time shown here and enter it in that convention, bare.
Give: {"hour": 1, "minute": 46}
